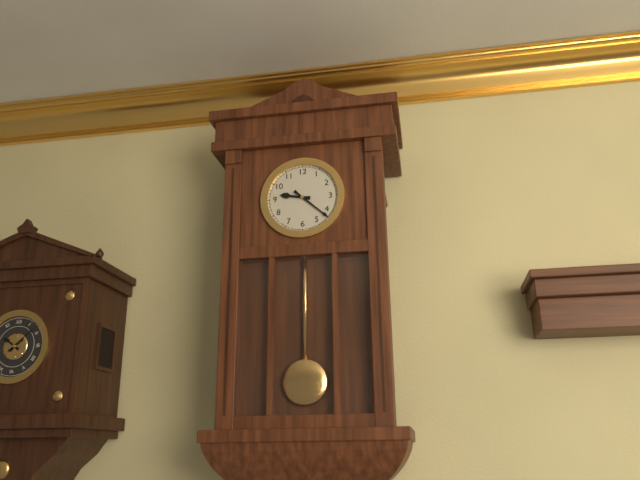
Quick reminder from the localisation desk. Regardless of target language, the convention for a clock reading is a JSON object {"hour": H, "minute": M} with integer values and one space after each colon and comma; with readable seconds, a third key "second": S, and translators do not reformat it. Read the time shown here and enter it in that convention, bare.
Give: {"hour": 9, "minute": 22}
